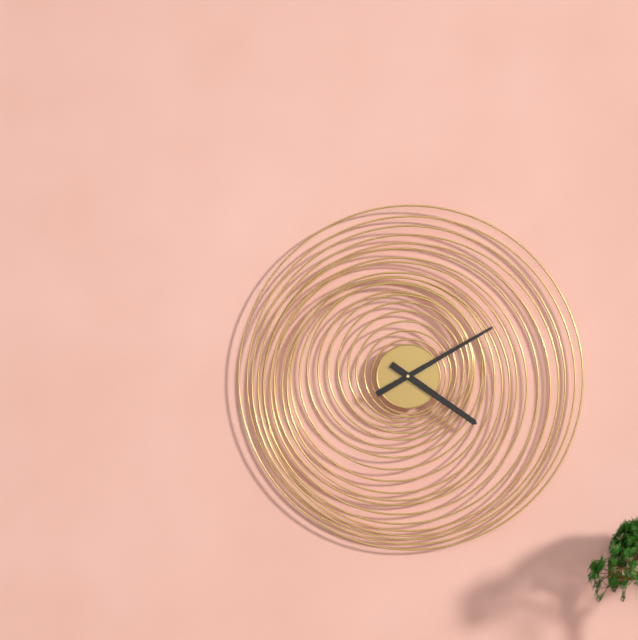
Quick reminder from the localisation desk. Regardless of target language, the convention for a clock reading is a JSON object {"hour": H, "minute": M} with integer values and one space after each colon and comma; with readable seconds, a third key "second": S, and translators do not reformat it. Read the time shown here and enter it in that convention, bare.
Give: {"hour": 4, "minute": 10}
